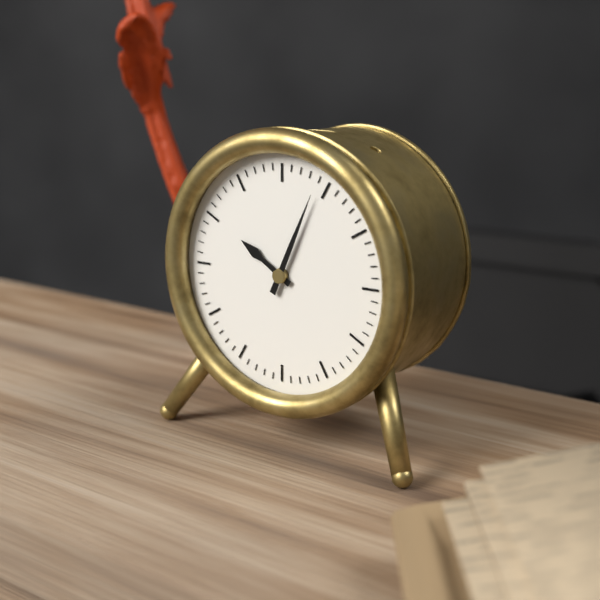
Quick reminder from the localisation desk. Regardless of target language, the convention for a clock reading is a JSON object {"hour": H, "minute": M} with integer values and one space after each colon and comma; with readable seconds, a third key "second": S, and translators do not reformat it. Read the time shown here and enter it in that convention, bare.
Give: {"hour": 10, "minute": 4}
